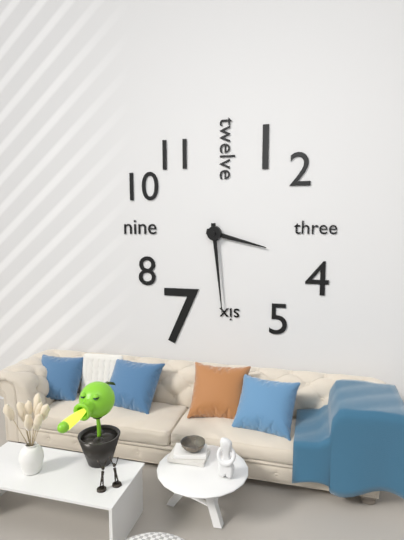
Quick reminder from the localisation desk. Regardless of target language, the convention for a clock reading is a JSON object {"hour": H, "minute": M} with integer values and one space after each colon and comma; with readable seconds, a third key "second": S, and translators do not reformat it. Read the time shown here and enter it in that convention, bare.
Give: {"hour": 3, "minute": 29}
